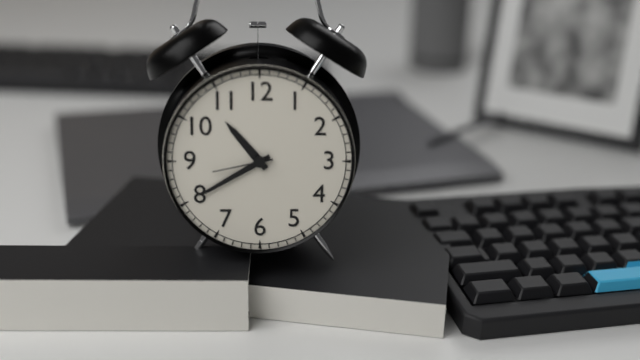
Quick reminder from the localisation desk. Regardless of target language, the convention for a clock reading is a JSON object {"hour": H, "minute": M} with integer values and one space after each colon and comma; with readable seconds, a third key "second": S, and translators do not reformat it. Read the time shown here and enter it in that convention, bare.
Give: {"hour": 10, "minute": 40, "second": 43}
